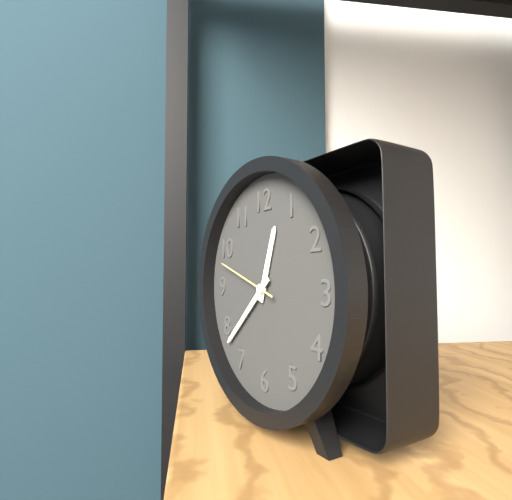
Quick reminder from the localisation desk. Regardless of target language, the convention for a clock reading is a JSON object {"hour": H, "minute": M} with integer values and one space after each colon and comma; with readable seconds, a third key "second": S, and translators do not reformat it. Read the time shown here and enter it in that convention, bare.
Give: {"hour": 12, "minute": 38, "second": 48}
